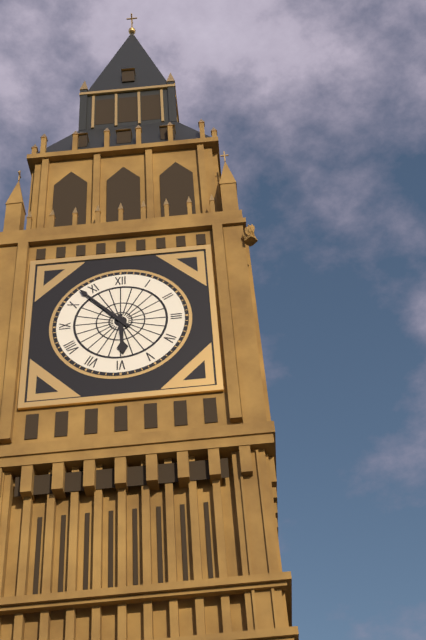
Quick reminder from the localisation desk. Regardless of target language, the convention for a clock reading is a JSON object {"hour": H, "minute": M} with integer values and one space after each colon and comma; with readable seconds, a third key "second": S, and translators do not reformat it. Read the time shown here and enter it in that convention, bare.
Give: {"hour": 5, "minute": 53}
